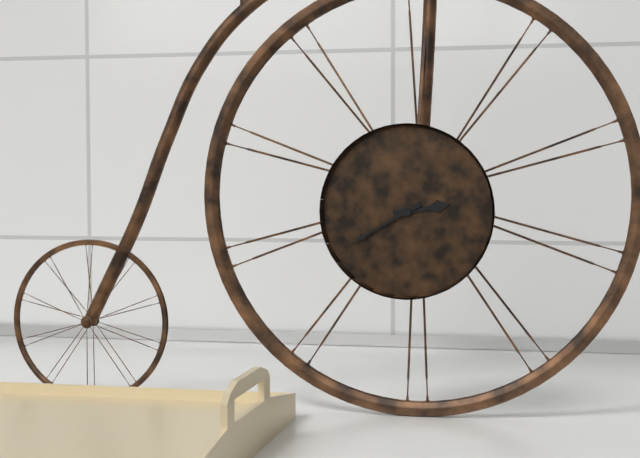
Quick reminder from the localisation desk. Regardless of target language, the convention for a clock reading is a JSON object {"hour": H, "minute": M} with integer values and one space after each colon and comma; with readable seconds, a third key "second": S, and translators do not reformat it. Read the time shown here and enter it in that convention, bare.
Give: {"hour": 2, "minute": 40}
